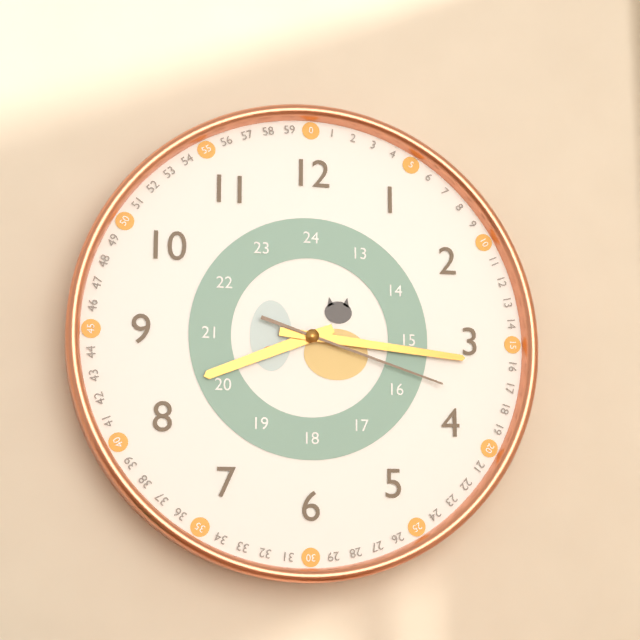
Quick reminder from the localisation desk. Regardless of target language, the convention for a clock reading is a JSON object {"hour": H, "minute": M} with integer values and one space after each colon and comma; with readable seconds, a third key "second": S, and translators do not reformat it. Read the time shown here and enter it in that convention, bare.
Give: {"hour": 8, "minute": 16, "second": 18}
